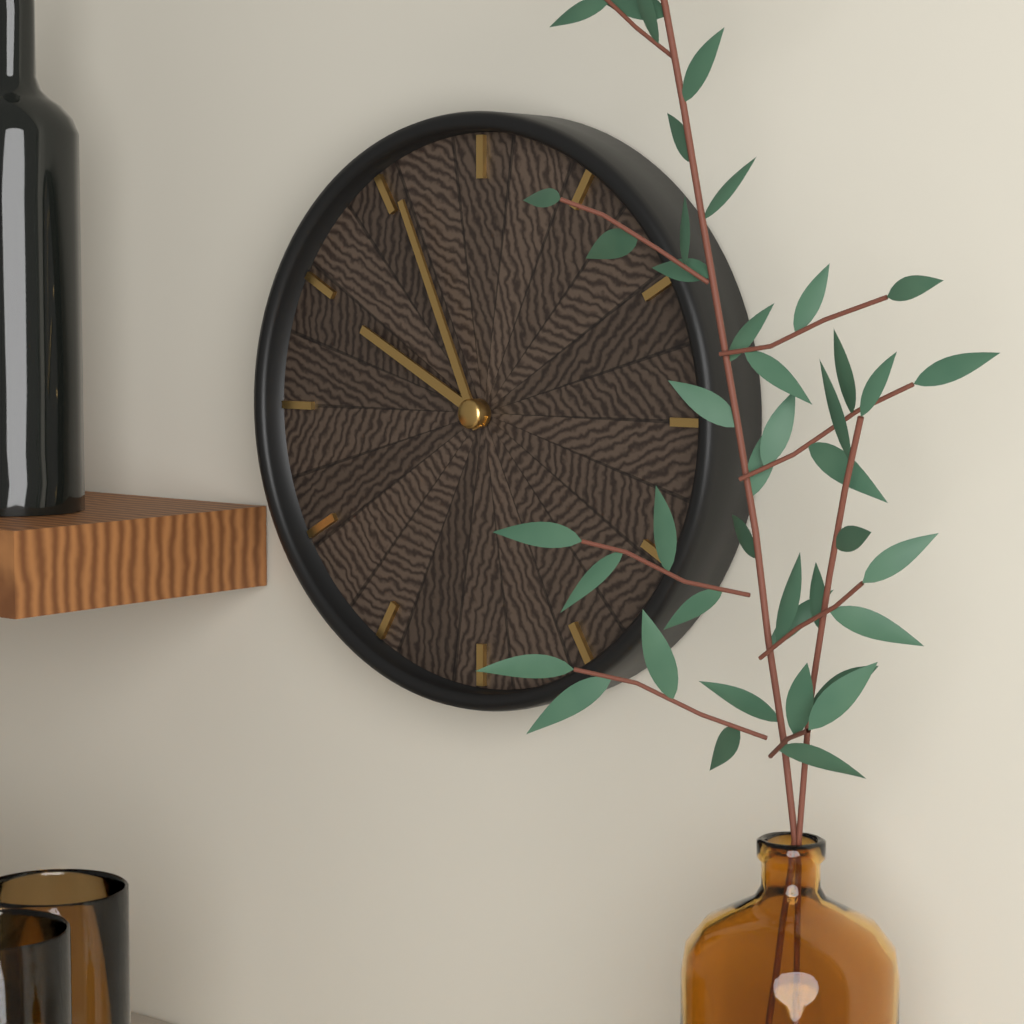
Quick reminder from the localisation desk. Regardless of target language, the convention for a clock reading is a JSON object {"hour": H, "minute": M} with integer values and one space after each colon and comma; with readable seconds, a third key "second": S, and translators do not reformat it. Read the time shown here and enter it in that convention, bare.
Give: {"hour": 9, "minute": 56}
